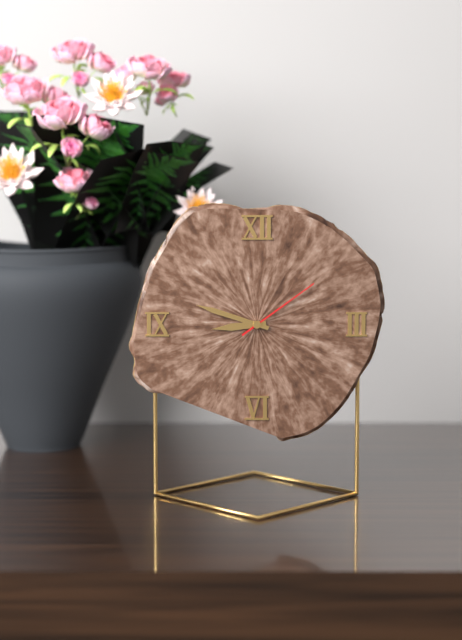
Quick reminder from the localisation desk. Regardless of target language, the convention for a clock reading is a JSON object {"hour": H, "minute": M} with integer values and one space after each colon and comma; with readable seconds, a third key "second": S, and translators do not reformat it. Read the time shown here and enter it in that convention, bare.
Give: {"hour": 8, "minute": 48, "second": 9}
